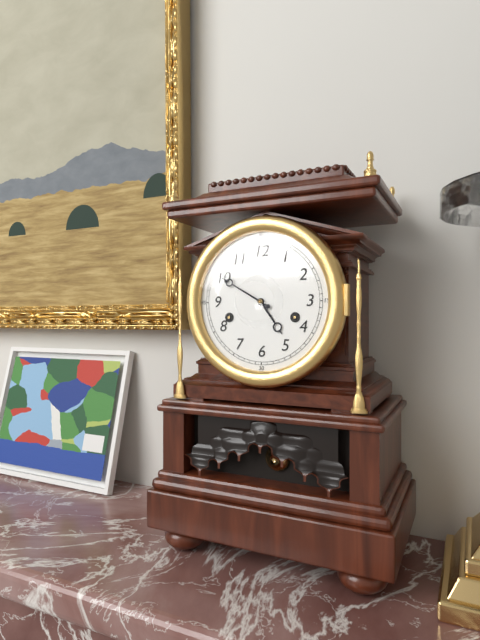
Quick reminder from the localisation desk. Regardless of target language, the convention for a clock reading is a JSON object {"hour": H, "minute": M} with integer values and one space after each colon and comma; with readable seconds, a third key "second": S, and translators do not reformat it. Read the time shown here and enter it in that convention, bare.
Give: {"hour": 4, "minute": 50}
